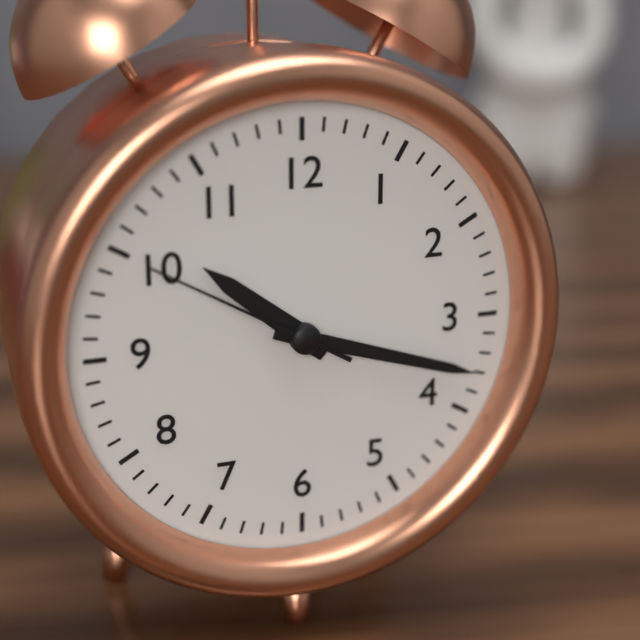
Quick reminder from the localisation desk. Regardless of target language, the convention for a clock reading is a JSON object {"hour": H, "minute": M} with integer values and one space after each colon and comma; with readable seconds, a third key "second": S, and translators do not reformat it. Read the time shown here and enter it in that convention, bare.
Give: {"hour": 10, "minute": 18, "second": 50}
